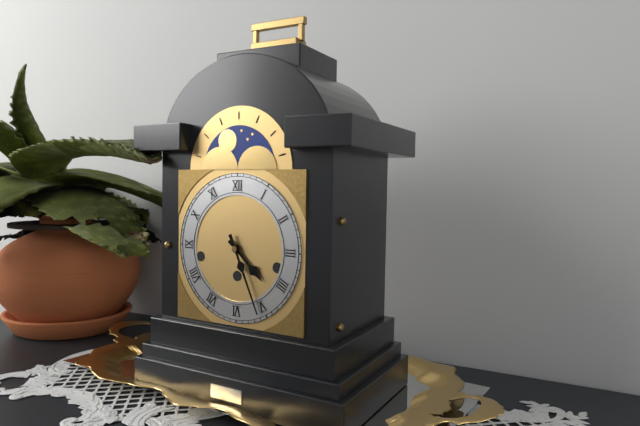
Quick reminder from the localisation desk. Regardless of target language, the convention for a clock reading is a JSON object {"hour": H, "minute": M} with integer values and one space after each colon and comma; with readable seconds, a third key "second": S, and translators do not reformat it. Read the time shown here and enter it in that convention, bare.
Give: {"hour": 4, "minute": 26}
